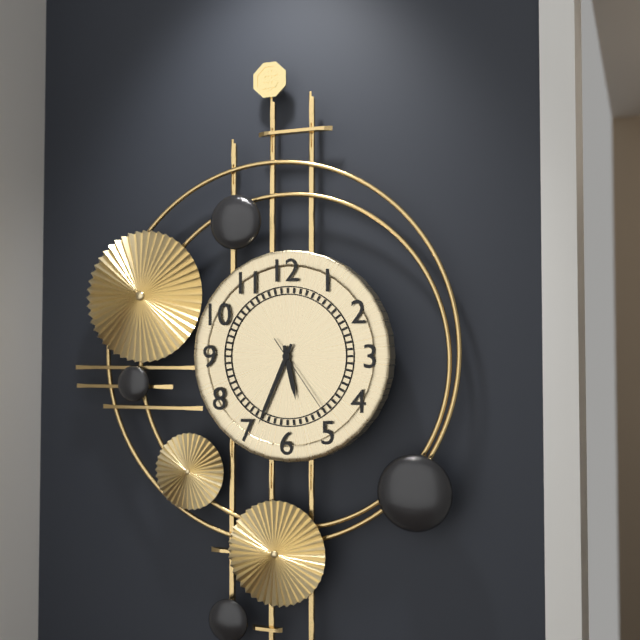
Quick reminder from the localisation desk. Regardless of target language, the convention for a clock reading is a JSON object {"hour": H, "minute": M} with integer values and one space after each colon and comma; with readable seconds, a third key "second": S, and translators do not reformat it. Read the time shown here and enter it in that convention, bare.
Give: {"hour": 5, "minute": 34, "second": 24}
